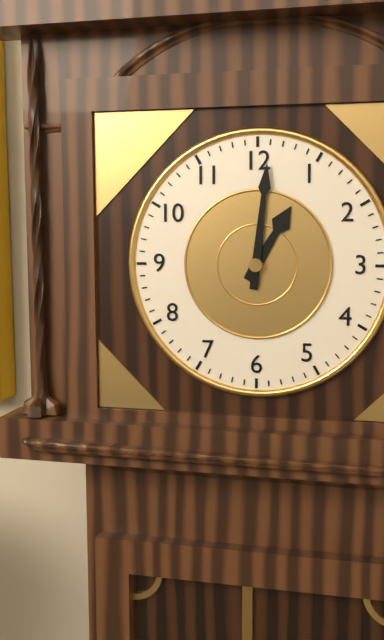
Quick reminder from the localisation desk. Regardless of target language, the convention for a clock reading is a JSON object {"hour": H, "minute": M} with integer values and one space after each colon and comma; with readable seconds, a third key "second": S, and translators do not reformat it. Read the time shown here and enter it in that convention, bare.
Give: {"hour": 1, "minute": 1}
